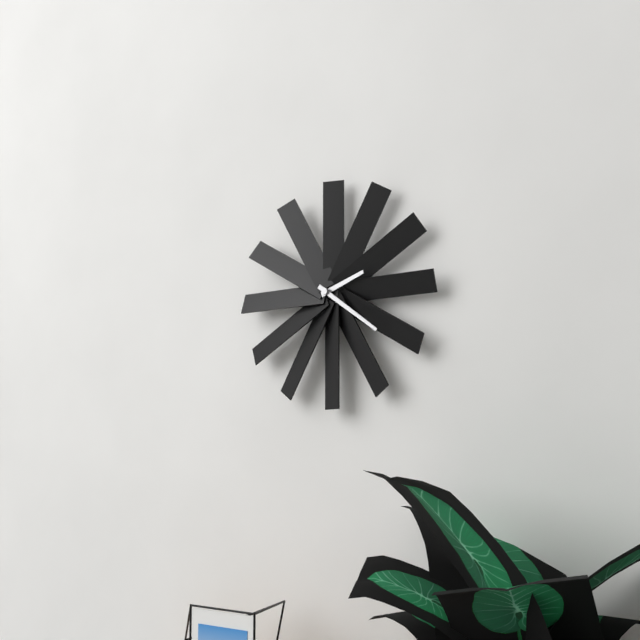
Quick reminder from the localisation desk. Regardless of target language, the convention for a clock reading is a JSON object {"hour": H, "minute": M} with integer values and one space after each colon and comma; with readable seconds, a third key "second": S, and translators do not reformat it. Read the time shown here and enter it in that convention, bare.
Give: {"hour": 2, "minute": 21}
